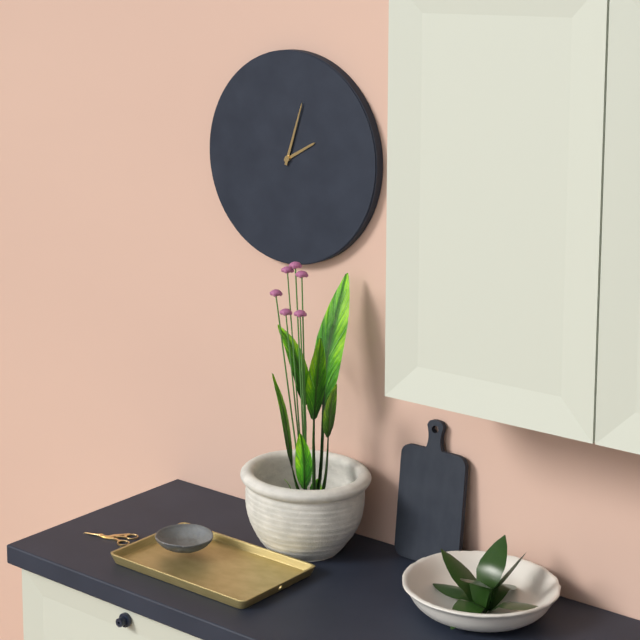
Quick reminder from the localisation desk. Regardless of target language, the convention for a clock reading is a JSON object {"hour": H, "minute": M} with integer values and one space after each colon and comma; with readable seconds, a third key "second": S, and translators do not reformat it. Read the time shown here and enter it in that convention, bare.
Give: {"hour": 2, "minute": 3}
